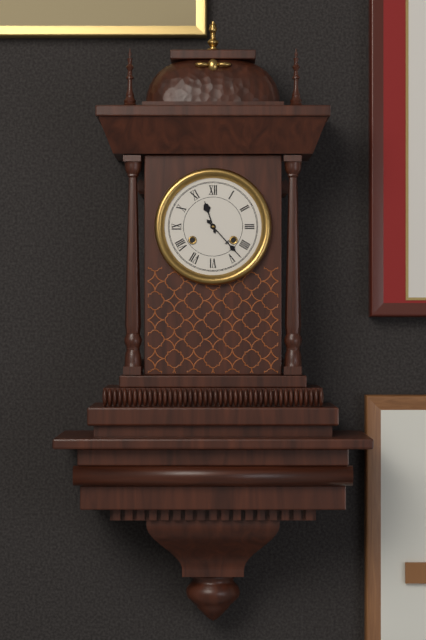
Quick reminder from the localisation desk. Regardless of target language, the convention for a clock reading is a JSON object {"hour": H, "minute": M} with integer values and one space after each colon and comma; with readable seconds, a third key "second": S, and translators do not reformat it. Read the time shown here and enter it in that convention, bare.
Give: {"hour": 11, "minute": 23}
